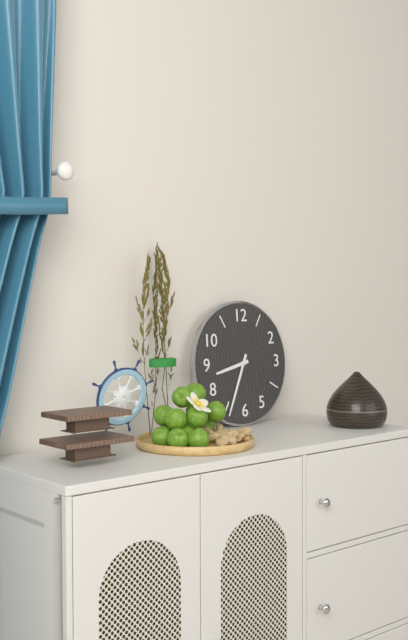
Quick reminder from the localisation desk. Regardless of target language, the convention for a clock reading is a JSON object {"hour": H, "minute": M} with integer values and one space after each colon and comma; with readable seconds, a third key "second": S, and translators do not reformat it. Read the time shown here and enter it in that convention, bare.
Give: {"hour": 8, "minute": 34}
